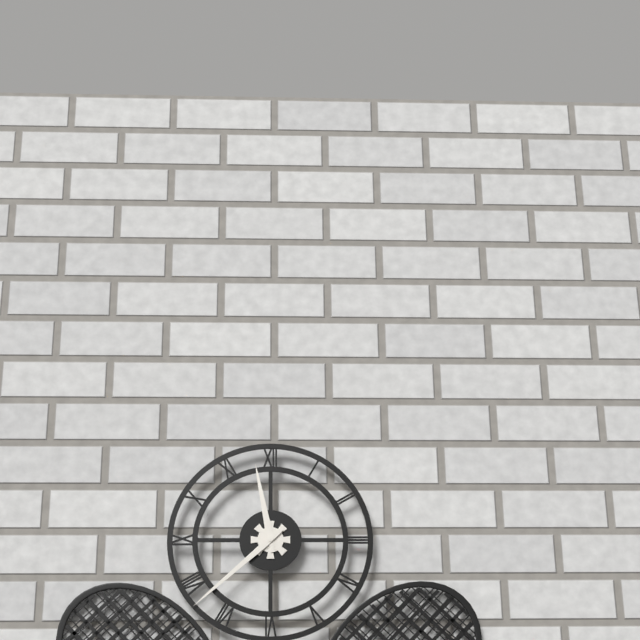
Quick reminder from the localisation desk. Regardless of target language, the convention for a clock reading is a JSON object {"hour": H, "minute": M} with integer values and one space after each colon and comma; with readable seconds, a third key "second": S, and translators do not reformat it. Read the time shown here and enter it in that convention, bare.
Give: {"hour": 11, "minute": 38}
